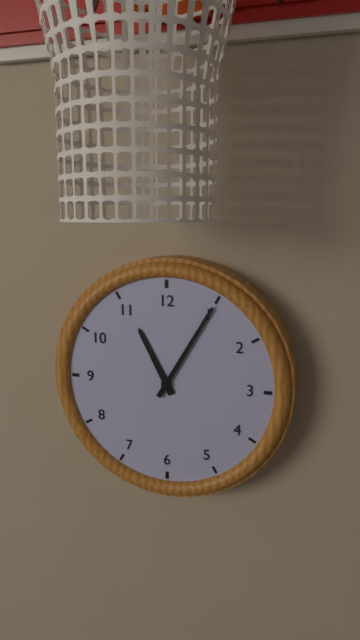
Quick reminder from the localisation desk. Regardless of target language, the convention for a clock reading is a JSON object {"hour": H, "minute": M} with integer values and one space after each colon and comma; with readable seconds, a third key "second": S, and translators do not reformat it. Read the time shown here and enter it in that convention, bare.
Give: {"hour": 11, "minute": 5}
